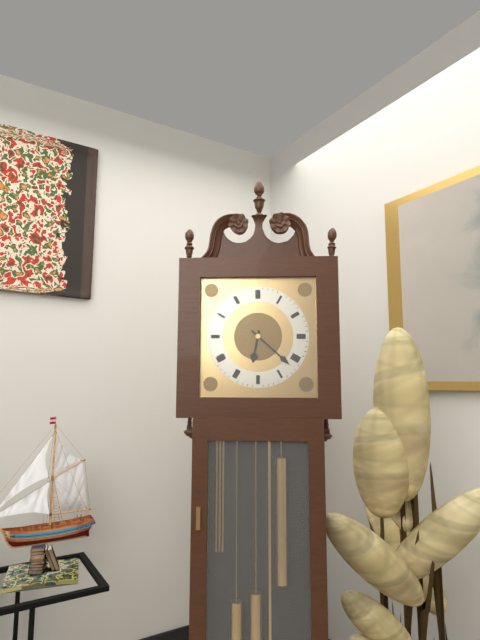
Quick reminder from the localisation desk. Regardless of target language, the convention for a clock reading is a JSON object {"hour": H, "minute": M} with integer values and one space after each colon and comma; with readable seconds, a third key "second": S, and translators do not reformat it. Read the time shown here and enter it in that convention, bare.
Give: {"hour": 6, "minute": 22}
